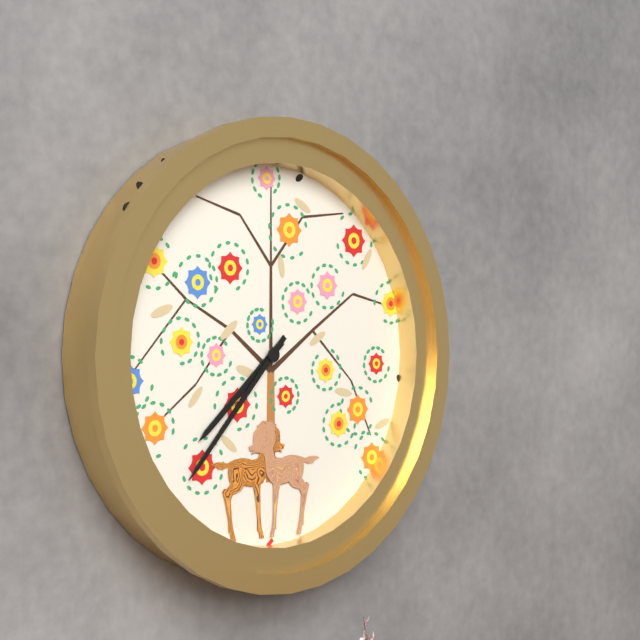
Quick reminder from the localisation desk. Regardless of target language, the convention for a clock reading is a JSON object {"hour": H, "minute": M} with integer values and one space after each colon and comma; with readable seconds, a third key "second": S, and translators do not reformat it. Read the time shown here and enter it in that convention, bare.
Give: {"hour": 7, "minute": 37}
